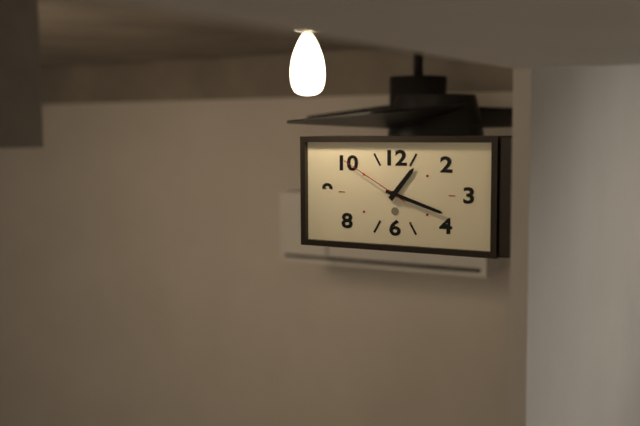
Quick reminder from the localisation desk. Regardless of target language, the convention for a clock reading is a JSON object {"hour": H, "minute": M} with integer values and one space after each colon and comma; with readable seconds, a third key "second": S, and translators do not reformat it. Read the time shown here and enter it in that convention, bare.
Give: {"hour": 1, "minute": 18, "second": 50}
